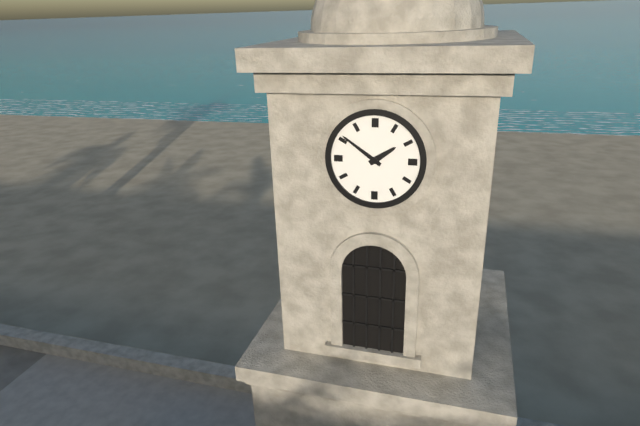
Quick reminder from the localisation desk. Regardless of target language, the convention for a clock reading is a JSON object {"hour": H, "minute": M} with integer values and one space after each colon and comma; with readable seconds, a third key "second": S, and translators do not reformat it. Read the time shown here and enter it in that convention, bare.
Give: {"hour": 1, "minute": 51}
